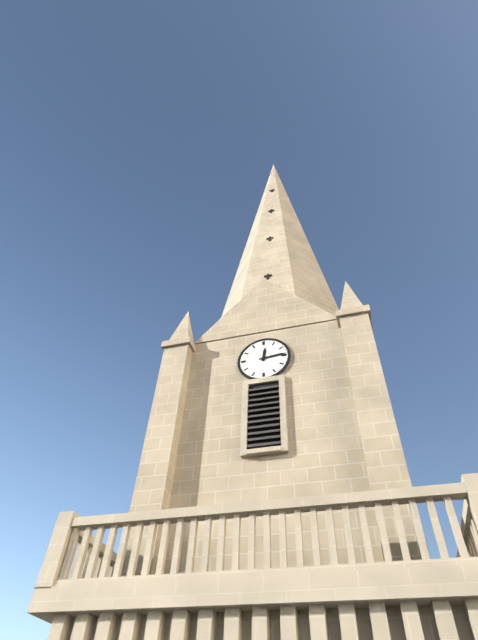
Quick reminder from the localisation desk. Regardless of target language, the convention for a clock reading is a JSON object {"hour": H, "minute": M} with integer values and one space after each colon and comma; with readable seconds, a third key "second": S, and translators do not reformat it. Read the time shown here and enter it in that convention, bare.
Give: {"hour": 12, "minute": 14}
